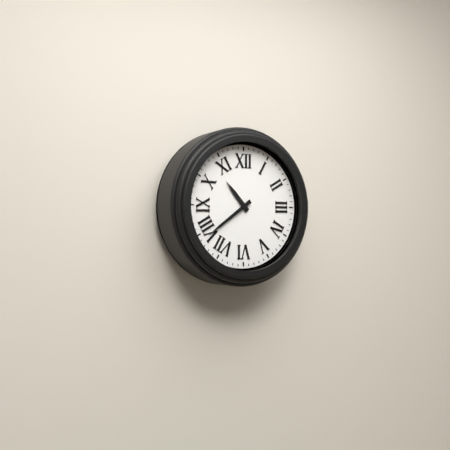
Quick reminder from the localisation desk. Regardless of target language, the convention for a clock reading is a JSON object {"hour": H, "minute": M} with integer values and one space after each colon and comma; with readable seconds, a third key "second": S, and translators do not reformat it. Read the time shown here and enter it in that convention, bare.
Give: {"hour": 10, "minute": 39}
